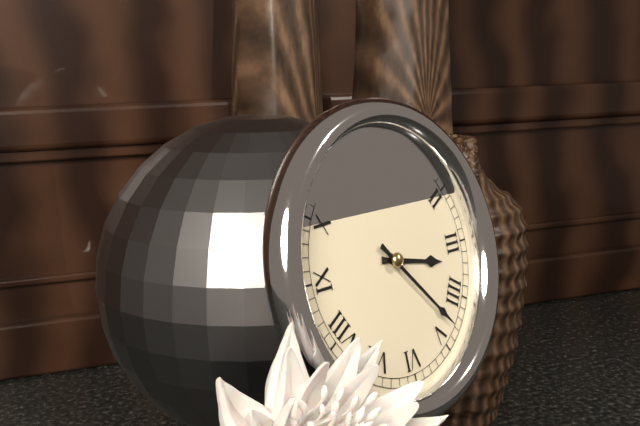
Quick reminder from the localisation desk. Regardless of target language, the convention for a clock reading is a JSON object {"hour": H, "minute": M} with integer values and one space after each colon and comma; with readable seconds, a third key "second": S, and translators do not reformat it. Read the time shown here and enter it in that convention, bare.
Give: {"hour": 3, "minute": 23}
